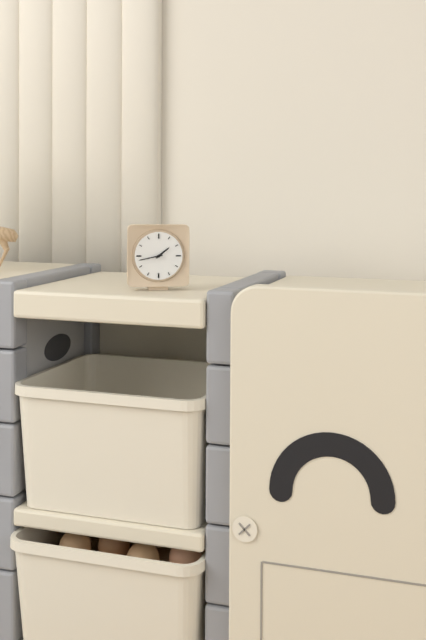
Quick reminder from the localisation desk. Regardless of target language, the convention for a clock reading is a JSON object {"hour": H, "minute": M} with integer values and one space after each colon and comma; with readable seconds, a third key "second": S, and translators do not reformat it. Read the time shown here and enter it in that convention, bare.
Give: {"hour": 1, "minute": 43}
